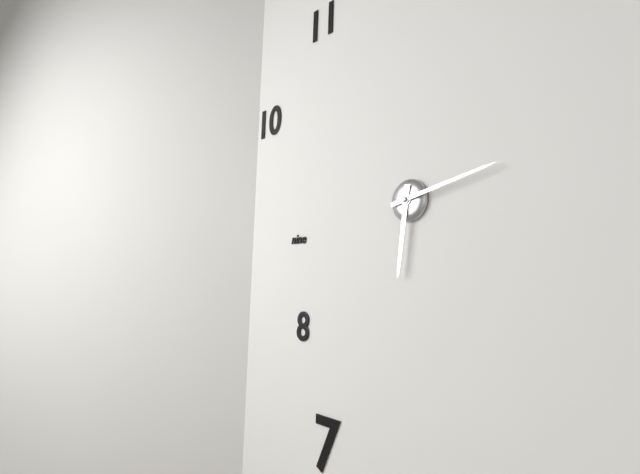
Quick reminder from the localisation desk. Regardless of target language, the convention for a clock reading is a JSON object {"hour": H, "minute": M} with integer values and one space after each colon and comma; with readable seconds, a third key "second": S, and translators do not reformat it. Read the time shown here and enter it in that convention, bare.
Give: {"hour": 6, "minute": 13}
